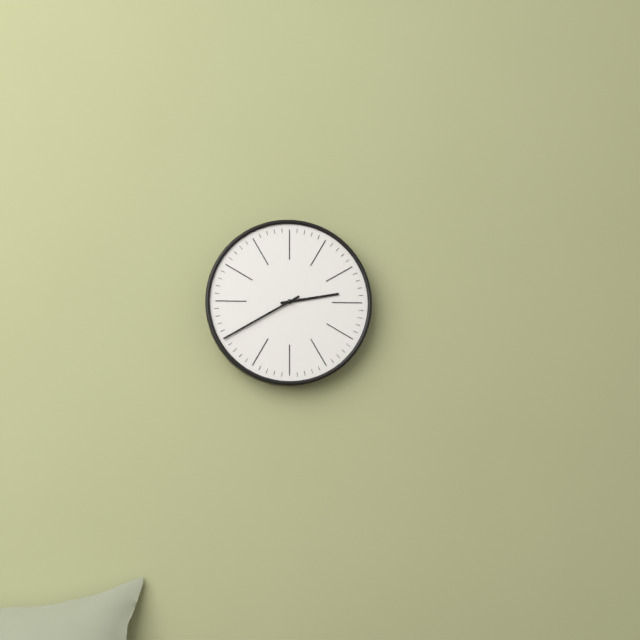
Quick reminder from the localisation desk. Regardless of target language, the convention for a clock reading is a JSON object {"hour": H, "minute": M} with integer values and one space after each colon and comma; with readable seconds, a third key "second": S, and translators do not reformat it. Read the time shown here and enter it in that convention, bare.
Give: {"hour": 2, "minute": 40}
